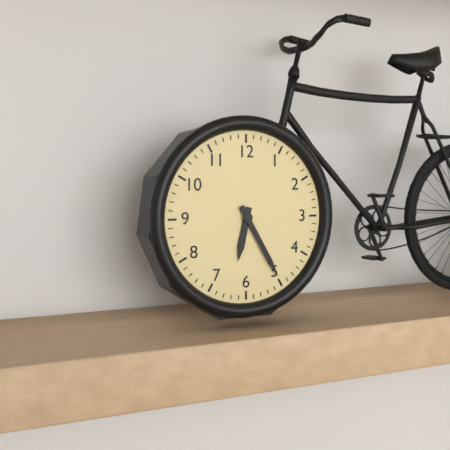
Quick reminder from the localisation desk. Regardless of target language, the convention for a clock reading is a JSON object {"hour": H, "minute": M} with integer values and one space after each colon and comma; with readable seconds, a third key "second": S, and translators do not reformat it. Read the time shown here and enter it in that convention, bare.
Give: {"hour": 6, "minute": 25}
